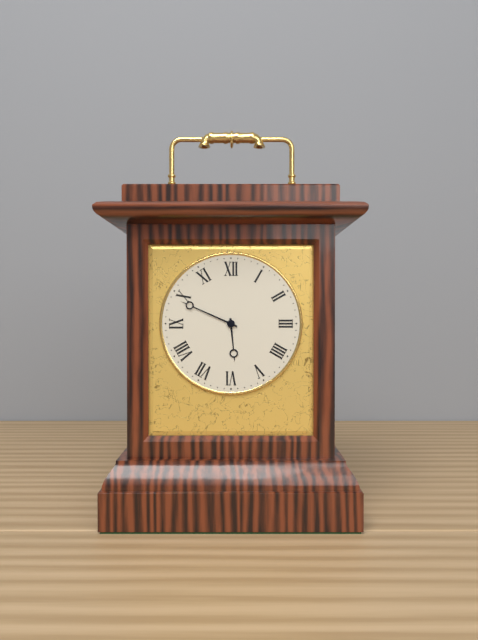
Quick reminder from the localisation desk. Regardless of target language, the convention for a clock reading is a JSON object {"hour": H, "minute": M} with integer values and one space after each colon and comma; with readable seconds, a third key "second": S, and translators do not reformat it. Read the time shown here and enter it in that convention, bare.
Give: {"hour": 5, "minute": 49}
